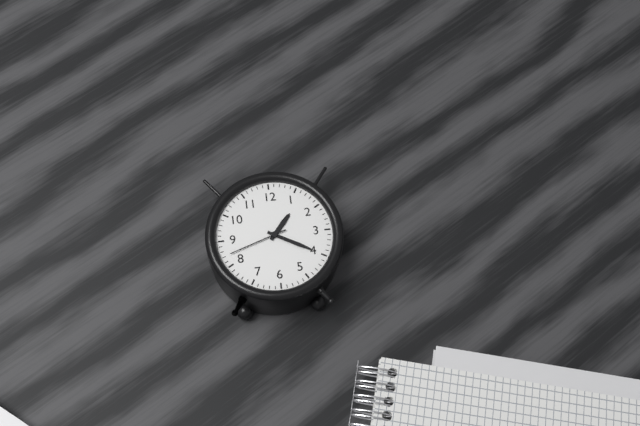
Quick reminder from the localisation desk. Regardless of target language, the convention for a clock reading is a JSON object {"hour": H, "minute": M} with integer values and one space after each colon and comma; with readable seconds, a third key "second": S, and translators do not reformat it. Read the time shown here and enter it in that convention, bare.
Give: {"hour": 1, "minute": 20, "second": 42}
